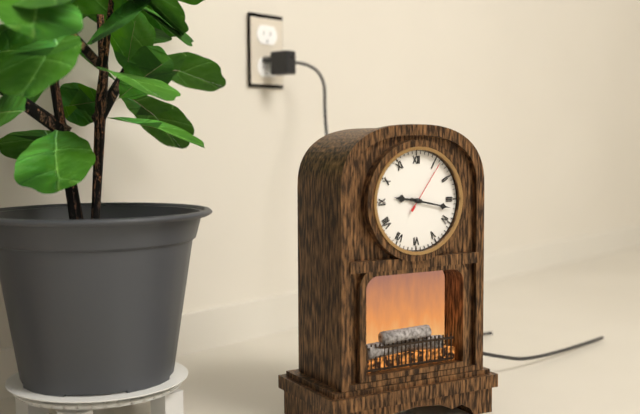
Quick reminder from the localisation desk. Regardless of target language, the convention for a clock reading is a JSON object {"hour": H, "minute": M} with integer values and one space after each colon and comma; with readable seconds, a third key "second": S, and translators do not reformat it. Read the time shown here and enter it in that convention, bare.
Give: {"hour": 9, "minute": 17, "second": 6}
